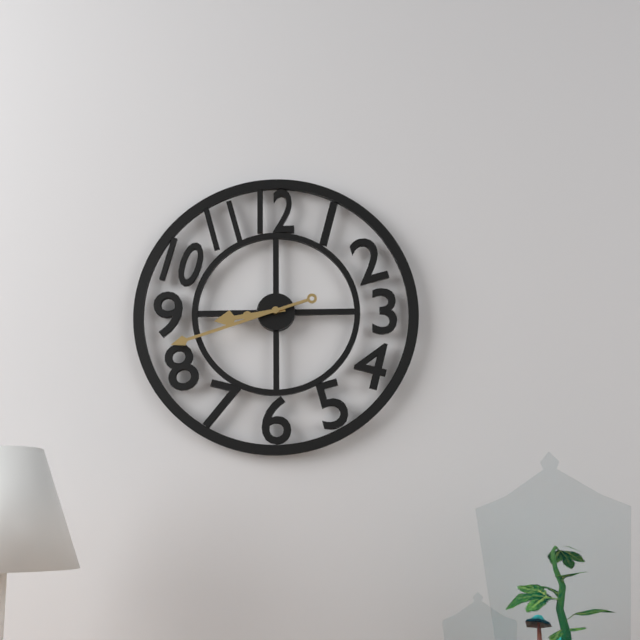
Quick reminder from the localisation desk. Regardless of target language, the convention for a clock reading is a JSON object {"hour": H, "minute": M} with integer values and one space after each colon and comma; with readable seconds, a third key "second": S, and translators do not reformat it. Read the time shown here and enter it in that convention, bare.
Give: {"hour": 8, "minute": 42}
